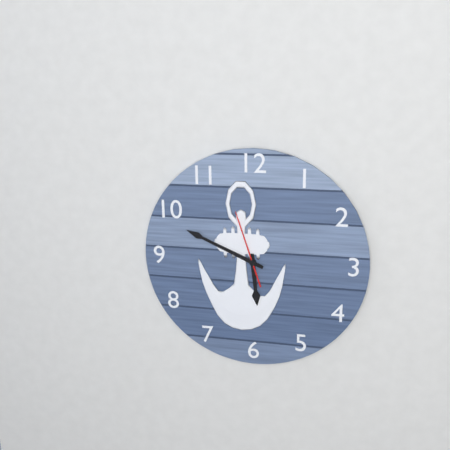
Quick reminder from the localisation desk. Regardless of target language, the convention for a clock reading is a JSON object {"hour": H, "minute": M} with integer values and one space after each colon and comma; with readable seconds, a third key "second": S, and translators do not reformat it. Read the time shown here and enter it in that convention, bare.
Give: {"hour": 5, "minute": 49, "second": 57}
